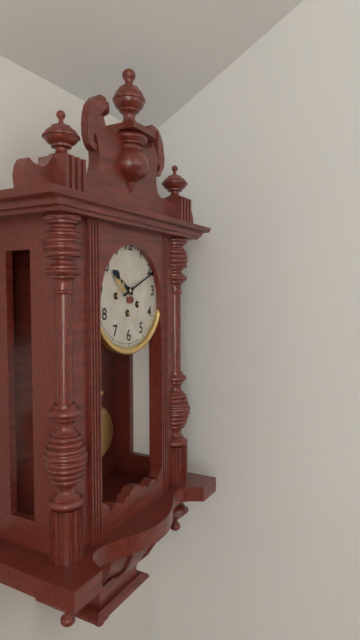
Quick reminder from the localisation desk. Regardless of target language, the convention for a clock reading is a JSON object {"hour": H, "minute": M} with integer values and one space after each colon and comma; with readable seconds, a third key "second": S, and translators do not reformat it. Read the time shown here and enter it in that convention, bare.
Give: {"hour": 10, "minute": 11}
